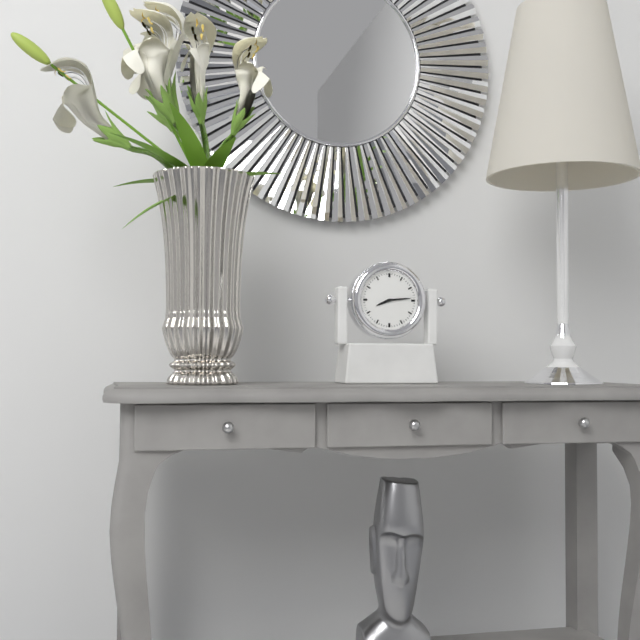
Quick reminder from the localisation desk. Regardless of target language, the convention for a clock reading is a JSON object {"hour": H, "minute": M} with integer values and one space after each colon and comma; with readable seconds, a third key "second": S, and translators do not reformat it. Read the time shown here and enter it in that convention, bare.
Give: {"hour": 8, "minute": 14}
